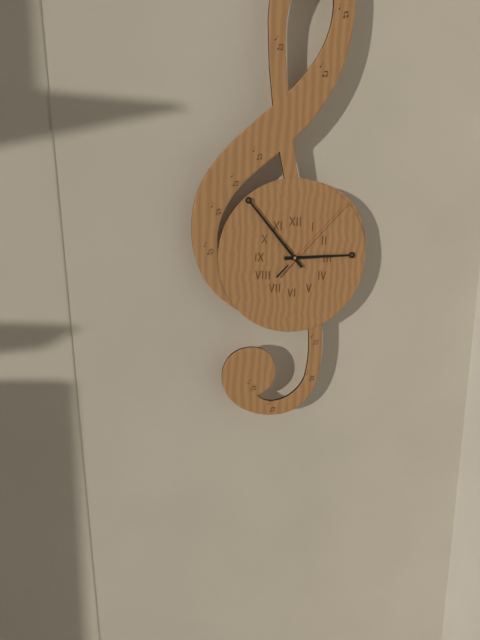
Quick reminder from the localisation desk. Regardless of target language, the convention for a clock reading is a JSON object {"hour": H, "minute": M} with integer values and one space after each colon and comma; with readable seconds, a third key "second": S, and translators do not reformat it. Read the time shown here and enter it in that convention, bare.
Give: {"hour": 2, "minute": 53, "second": 7}
